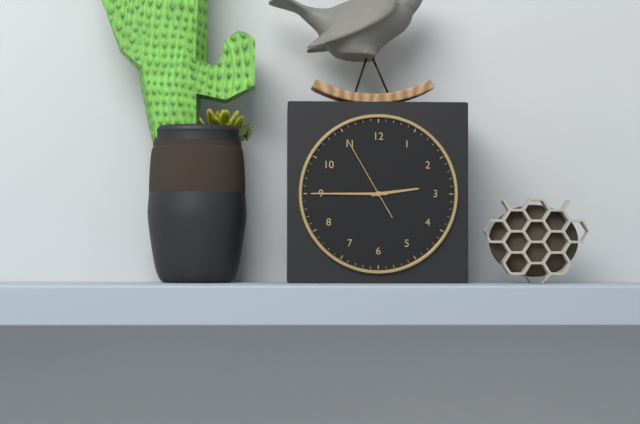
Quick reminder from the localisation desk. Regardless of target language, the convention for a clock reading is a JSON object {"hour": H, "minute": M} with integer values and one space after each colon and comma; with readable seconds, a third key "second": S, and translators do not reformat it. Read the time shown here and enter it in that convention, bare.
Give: {"hour": 2, "minute": 45, "second": 55}
